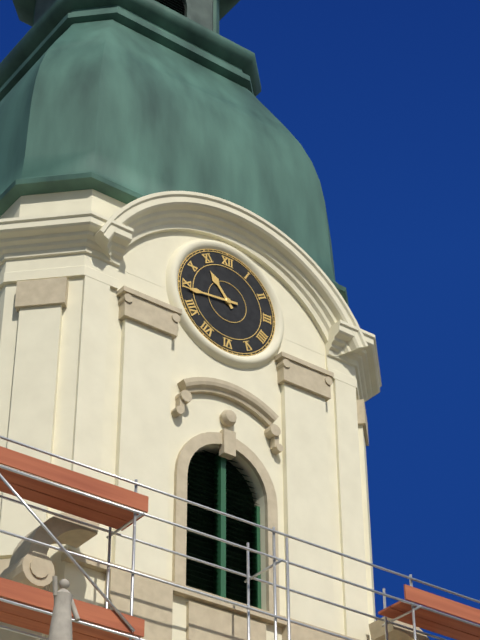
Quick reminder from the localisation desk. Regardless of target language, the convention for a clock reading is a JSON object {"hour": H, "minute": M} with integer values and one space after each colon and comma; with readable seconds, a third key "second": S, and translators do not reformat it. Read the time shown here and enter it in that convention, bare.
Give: {"hour": 10, "minute": 44}
